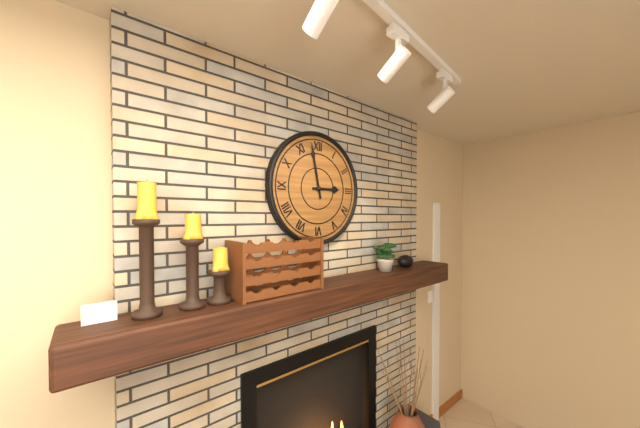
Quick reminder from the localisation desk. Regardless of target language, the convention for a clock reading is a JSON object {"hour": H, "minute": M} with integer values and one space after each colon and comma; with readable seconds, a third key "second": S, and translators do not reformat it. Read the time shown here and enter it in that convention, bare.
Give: {"hour": 2, "minute": 58}
